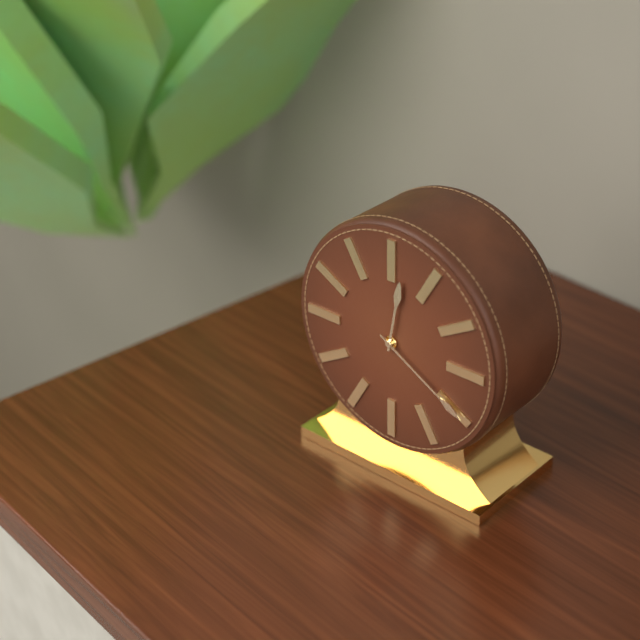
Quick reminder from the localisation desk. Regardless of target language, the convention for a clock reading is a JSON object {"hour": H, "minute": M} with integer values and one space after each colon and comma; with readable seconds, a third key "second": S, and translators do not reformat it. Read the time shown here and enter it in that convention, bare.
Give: {"hour": 12, "minute": 20}
